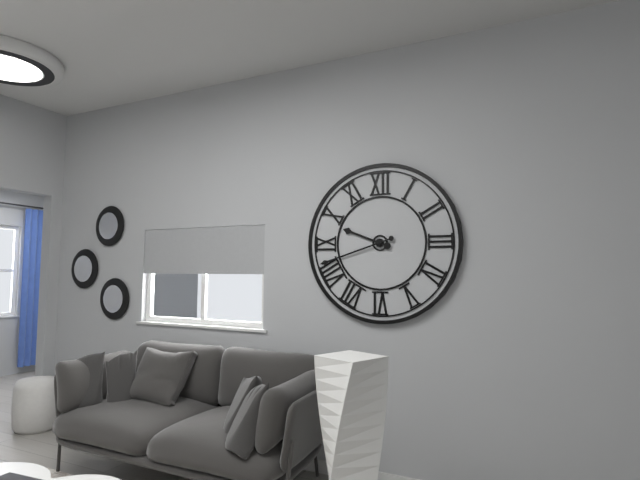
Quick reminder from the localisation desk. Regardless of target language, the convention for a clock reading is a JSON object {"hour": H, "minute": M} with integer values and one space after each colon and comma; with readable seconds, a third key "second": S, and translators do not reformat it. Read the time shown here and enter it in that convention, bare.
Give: {"hour": 9, "minute": 42}
